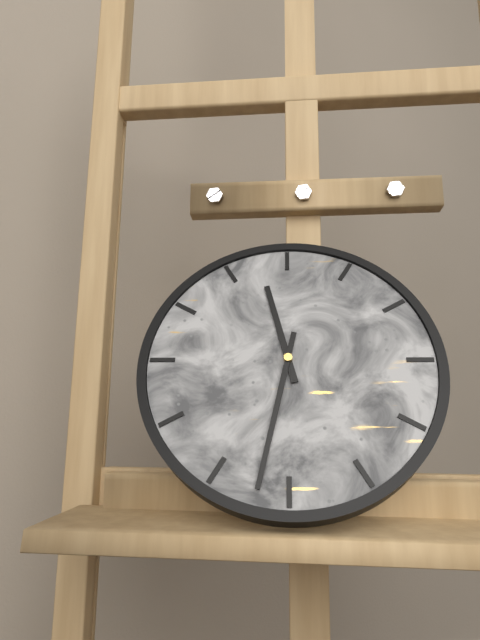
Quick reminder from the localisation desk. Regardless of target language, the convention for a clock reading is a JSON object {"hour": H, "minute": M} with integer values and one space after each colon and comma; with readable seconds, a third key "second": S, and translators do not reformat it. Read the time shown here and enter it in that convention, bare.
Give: {"hour": 11, "minute": 32}
